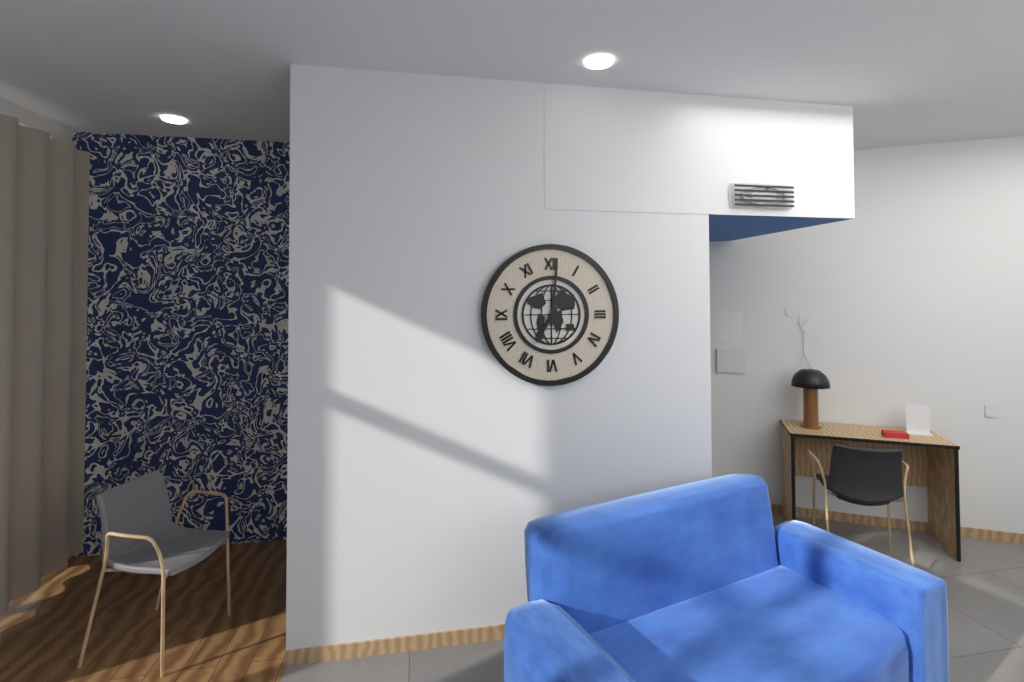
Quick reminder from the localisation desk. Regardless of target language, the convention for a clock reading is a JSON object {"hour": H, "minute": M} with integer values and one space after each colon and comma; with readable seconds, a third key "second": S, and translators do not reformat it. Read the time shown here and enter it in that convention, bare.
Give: {"hour": 7, "minute": 1}
